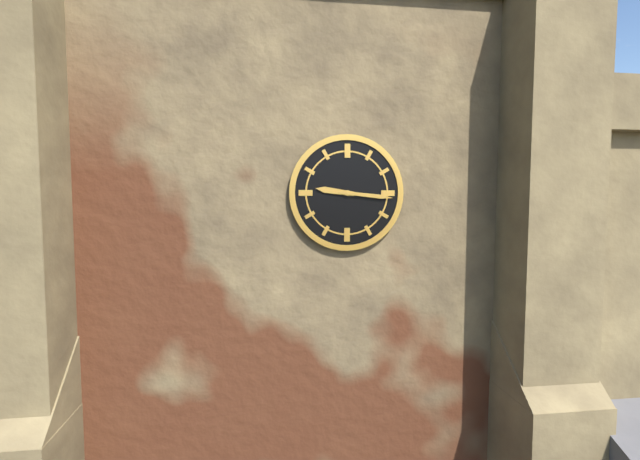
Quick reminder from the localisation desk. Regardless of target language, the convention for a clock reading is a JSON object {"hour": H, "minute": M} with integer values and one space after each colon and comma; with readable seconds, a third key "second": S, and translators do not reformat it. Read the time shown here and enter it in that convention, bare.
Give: {"hour": 9, "minute": 16}
